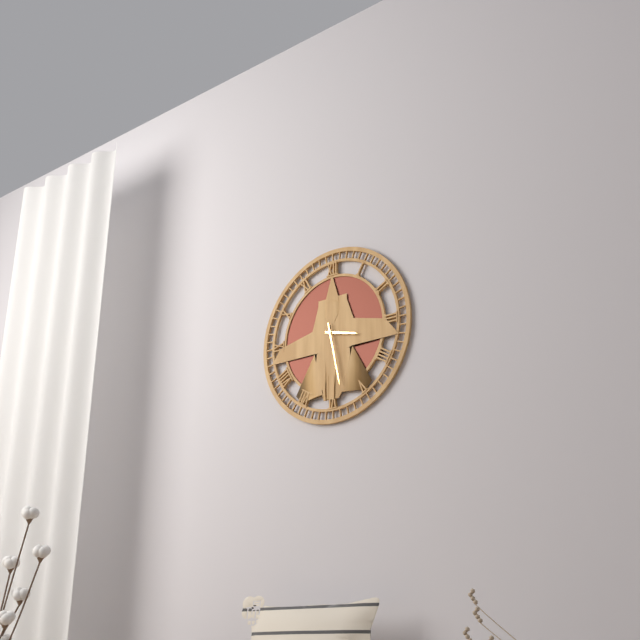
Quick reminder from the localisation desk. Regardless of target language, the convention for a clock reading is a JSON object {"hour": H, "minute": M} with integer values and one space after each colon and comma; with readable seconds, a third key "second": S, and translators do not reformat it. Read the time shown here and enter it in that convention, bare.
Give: {"hour": 3, "minute": 28}
